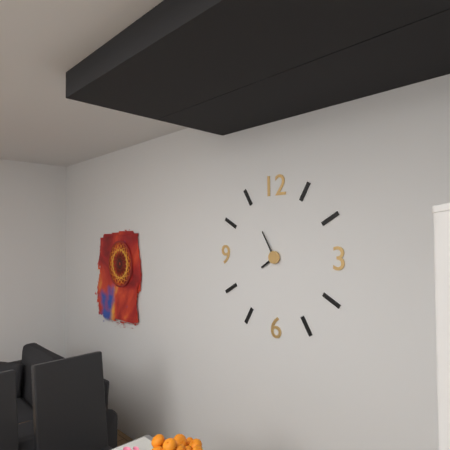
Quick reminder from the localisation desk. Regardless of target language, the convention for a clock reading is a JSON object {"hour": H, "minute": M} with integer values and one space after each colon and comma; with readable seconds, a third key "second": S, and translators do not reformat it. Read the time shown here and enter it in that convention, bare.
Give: {"hour": 7, "minute": 55}
